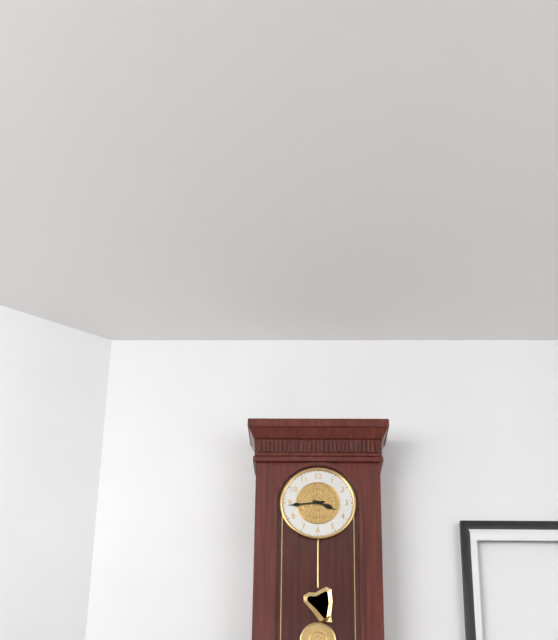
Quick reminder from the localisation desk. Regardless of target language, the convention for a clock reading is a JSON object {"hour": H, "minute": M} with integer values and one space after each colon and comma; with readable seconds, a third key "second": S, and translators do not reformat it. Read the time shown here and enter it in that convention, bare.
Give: {"hour": 3, "minute": 44}
